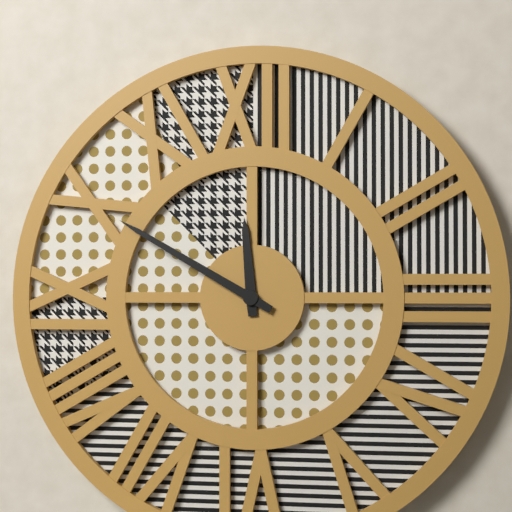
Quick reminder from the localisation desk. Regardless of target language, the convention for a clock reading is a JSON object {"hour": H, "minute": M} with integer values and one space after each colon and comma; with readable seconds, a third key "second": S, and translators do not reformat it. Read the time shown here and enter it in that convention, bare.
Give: {"hour": 11, "minute": 50}
